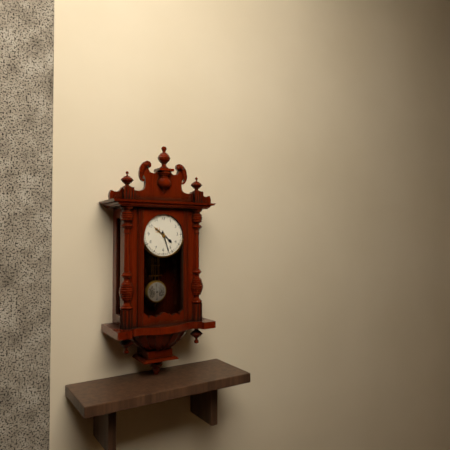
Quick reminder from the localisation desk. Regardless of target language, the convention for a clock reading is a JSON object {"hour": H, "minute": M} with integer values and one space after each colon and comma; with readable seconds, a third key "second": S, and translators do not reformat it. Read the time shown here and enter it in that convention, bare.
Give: {"hour": 4, "minute": 27}
